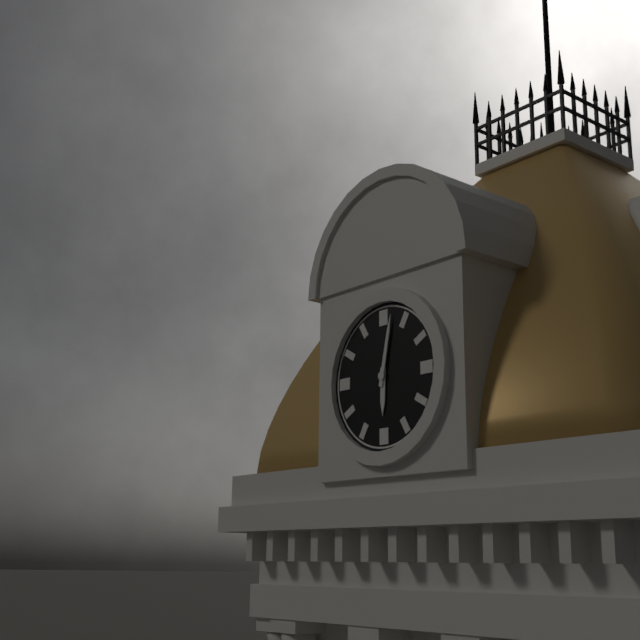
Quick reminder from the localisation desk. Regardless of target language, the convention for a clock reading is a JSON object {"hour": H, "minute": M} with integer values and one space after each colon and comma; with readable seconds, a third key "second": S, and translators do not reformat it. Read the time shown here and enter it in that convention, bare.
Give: {"hour": 6, "minute": 2}
